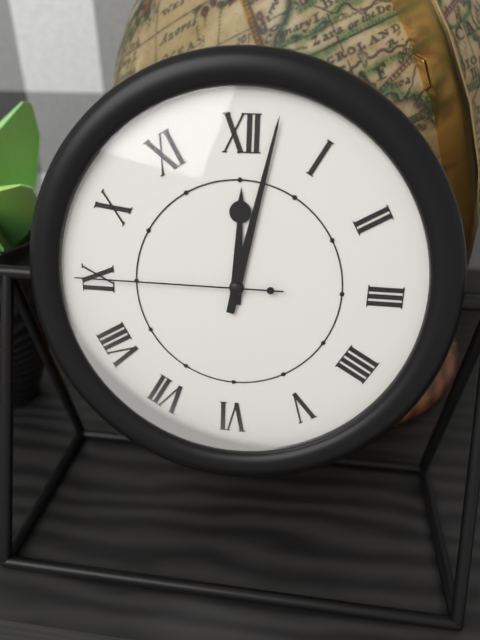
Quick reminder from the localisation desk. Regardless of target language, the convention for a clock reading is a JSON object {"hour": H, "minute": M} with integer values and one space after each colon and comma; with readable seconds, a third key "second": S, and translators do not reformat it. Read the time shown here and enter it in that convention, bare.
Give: {"hour": 12, "minute": 2, "second": 45}
